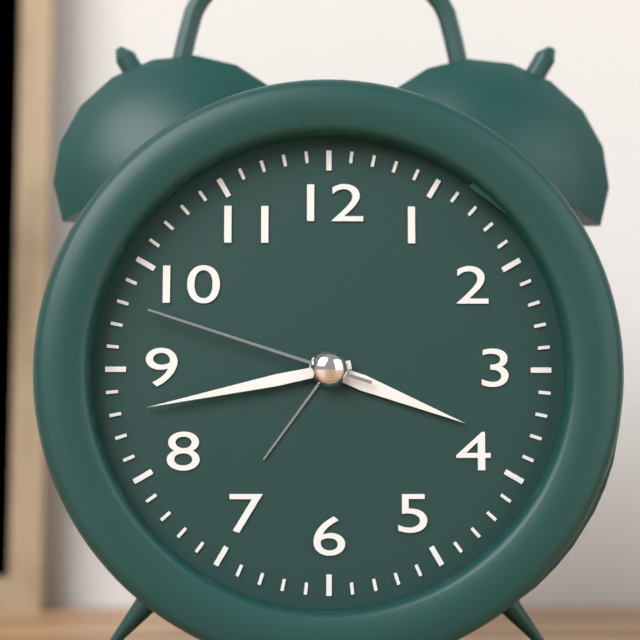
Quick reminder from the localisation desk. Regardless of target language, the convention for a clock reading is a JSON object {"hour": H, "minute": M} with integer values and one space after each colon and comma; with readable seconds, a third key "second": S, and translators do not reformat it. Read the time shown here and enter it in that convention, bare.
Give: {"hour": 3, "minute": 43, "second": 48}
